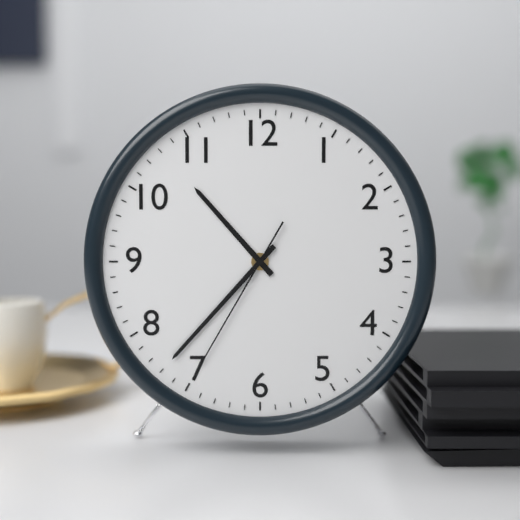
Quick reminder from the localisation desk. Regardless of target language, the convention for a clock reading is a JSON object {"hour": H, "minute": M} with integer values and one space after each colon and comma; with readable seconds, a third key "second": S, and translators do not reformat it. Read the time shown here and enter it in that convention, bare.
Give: {"hour": 10, "minute": 37, "second": 35}
